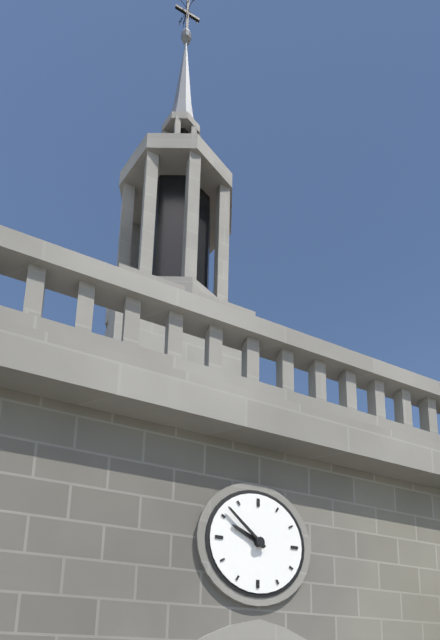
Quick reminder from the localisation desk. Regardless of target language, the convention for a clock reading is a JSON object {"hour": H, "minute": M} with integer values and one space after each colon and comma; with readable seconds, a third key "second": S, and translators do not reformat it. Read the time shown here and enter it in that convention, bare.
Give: {"hour": 9, "minute": 52}
